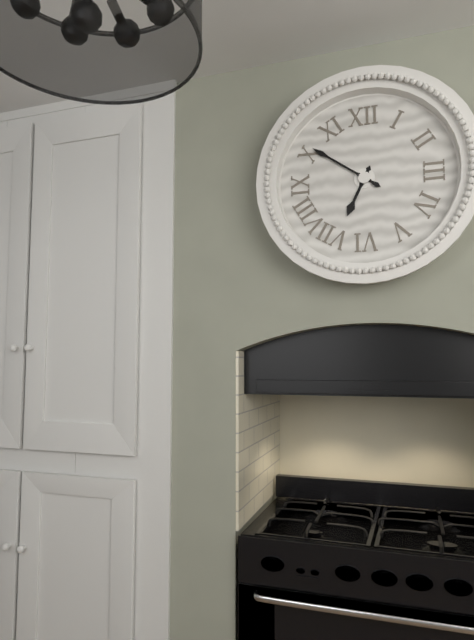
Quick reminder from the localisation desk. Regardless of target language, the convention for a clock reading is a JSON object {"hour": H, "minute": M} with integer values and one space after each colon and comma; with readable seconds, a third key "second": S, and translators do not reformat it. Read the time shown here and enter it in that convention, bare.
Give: {"hour": 6, "minute": 51}
